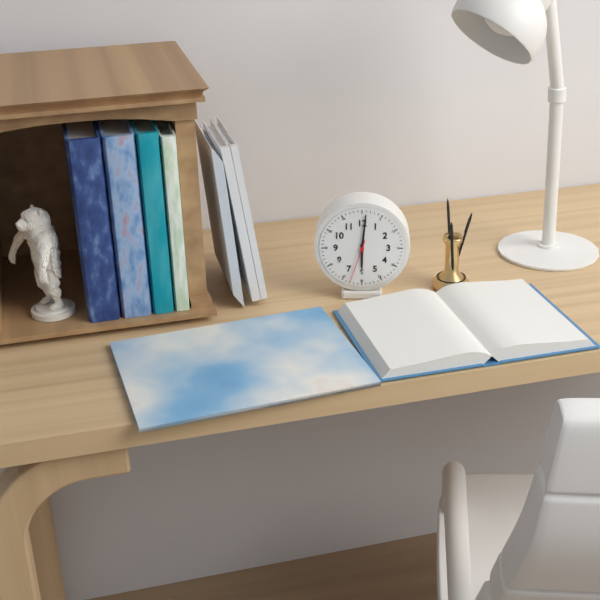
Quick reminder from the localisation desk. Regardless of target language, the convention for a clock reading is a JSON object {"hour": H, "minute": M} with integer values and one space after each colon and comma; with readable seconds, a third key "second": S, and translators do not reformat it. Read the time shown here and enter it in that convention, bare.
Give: {"hour": 6, "minute": 1}
